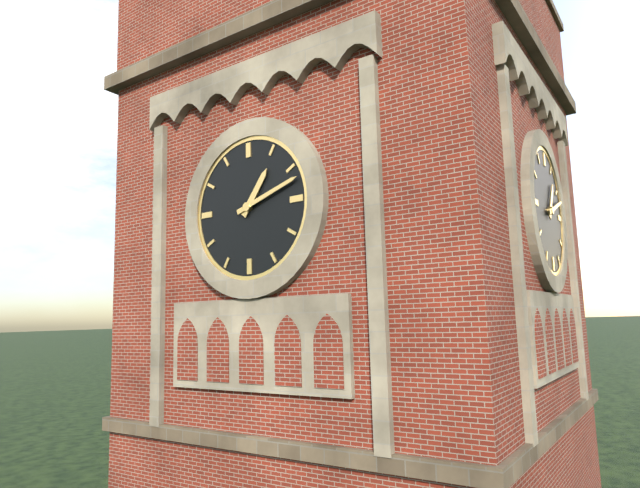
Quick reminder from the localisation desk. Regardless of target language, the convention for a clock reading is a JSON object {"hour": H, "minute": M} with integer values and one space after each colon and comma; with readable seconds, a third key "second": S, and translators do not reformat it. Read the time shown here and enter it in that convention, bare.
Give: {"hour": 1, "minute": 12}
